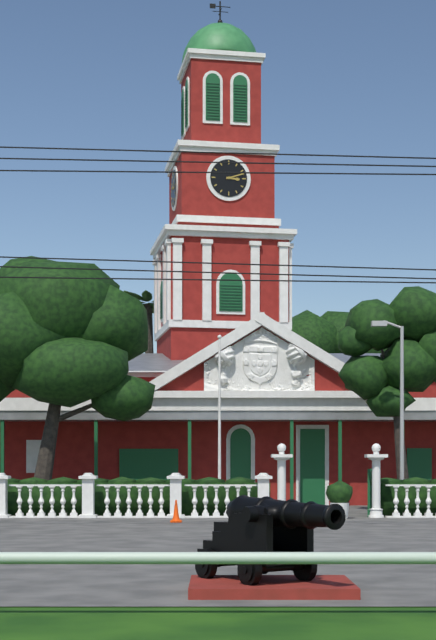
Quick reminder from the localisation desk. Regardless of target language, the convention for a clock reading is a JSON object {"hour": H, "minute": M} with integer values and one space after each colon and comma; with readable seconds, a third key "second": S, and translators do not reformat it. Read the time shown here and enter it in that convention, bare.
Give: {"hour": 3, "minute": 12}
